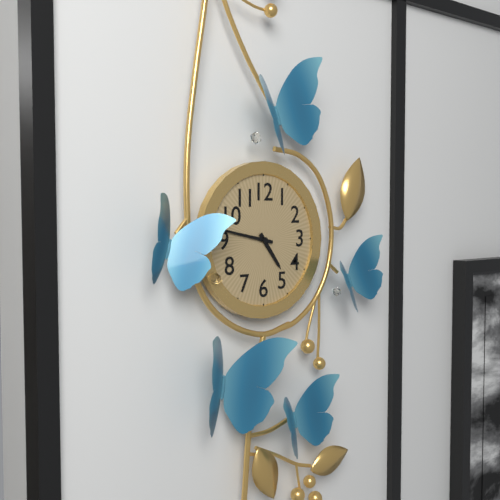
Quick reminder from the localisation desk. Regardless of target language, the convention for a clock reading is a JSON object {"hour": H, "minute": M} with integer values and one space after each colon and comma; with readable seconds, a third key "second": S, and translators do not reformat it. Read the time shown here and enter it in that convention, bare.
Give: {"hour": 4, "minute": 47}
